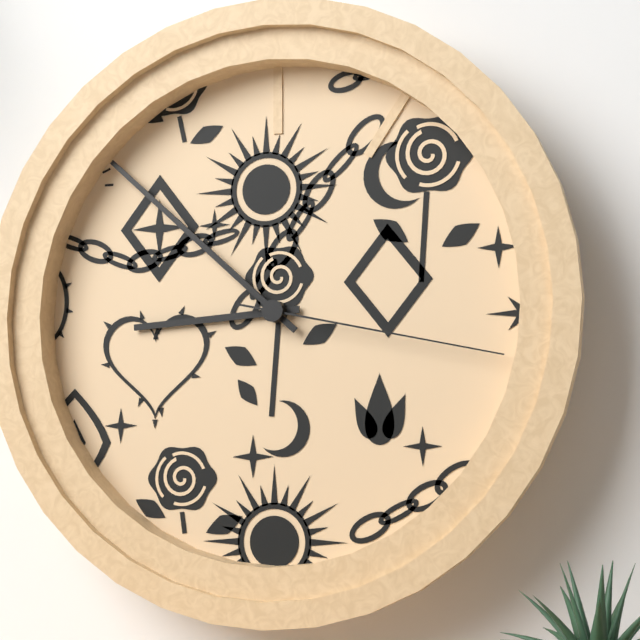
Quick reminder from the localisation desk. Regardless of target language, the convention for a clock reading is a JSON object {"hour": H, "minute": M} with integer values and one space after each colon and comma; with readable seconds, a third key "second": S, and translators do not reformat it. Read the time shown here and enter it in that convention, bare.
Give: {"hour": 8, "minute": 52, "second": 17}
